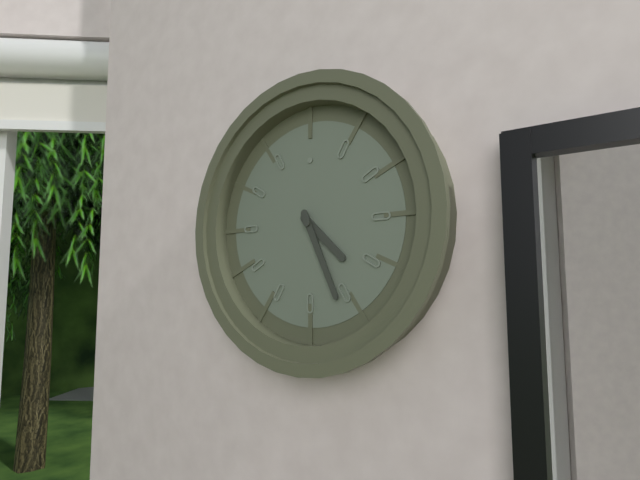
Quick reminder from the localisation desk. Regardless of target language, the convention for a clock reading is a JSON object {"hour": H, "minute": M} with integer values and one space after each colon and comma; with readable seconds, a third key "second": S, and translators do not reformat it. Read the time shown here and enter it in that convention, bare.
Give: {"hour": 4, "minute": 26}
